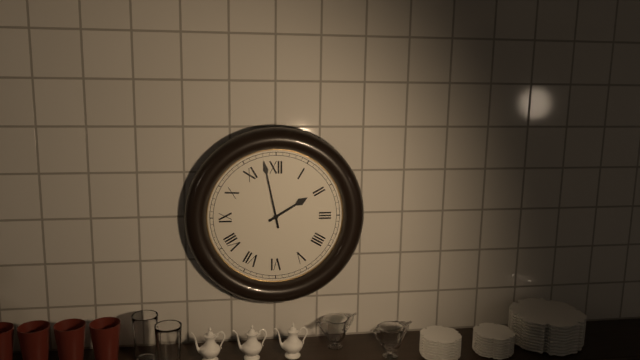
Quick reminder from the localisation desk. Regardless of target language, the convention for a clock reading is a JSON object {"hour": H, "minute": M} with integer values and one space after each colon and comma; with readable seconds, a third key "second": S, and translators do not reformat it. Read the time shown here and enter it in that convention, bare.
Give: {"hour": 1, "minute": 58}
